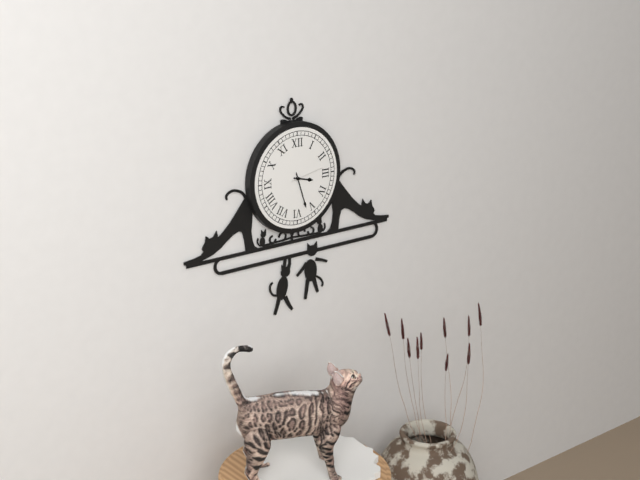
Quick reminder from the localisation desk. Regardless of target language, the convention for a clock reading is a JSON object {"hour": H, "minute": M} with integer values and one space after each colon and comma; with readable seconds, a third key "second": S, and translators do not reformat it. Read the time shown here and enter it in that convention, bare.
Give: {"hour": 3, "minute": 27}
